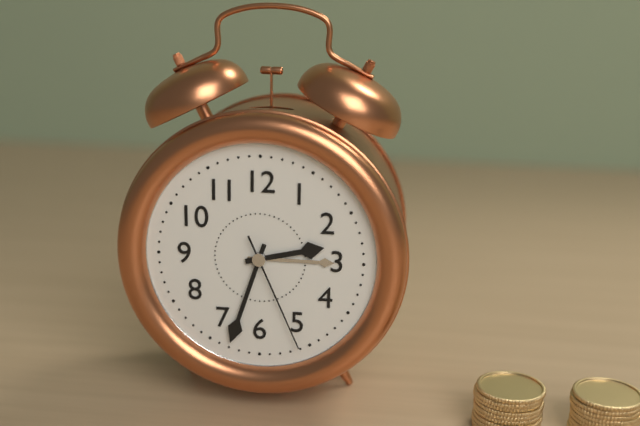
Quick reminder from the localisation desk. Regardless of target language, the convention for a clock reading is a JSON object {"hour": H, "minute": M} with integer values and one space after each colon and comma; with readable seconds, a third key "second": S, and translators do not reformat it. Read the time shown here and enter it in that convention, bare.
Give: {"hour": 2, "minute": 33, "second": 26}
